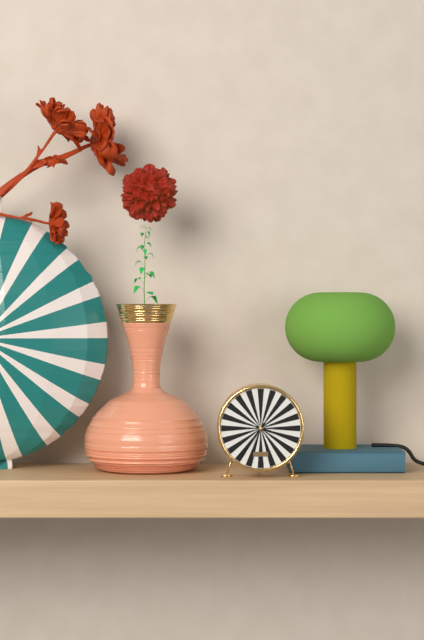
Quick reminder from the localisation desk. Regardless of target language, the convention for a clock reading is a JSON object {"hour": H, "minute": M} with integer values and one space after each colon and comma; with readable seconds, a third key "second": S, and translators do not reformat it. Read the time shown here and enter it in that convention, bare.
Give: {"hour": 3, "minute": 36}
